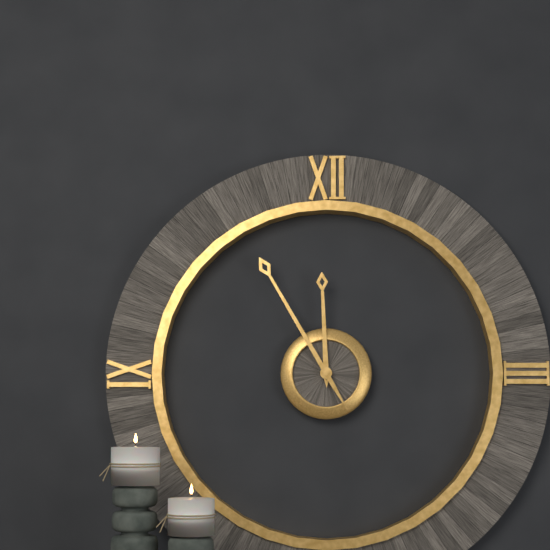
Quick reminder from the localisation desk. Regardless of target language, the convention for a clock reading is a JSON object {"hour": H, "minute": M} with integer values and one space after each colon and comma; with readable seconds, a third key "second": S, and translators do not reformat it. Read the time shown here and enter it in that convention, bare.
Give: {"hour": 11, "minute": 55}
